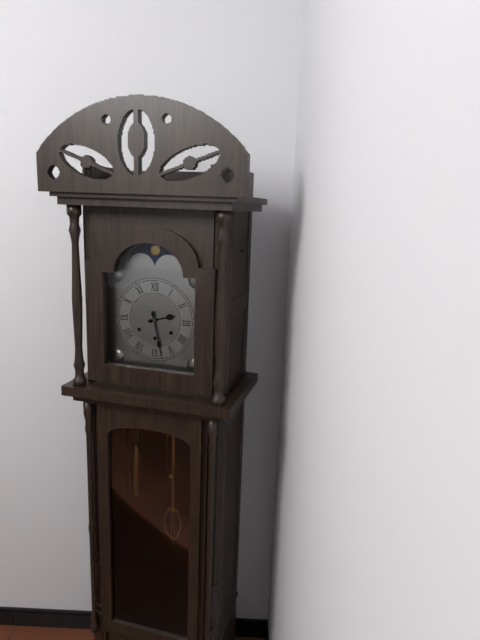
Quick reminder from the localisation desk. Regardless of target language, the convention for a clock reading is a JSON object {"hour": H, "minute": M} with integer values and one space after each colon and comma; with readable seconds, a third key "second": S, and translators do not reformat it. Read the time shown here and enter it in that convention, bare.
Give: {"hour": 2, "minute": 28}
